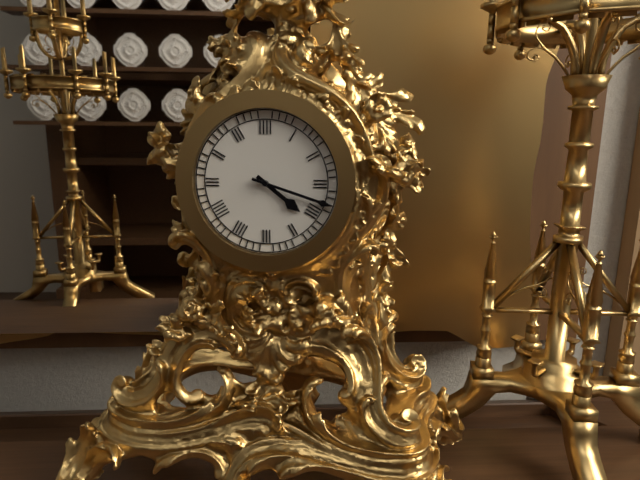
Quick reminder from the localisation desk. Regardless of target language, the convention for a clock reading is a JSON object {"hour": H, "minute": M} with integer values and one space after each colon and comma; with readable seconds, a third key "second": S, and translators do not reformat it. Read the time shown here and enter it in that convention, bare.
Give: {"hour": 4, "minute": 18}
